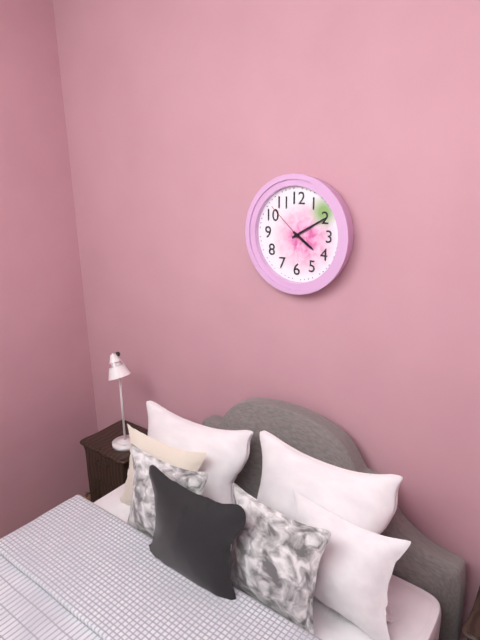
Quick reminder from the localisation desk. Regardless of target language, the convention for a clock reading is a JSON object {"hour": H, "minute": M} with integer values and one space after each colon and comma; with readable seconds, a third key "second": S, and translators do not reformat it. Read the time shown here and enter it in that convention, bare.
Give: {"hour": 4, "minute": 10}
